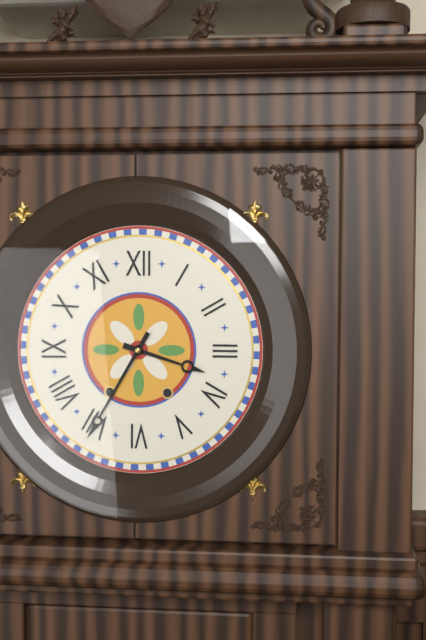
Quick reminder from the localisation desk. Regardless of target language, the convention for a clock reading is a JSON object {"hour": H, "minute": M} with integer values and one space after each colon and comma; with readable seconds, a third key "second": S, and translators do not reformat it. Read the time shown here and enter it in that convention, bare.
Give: {"hour": 3, "minute": 35}
